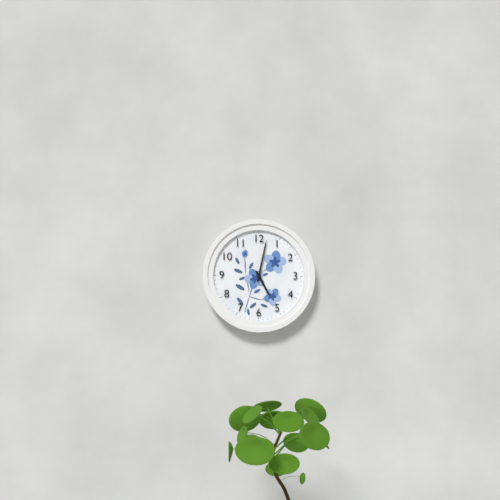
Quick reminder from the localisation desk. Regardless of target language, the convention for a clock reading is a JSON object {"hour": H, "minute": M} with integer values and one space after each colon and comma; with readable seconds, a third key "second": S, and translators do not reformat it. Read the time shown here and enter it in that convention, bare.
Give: {"hour": 5, "minute": 2}
